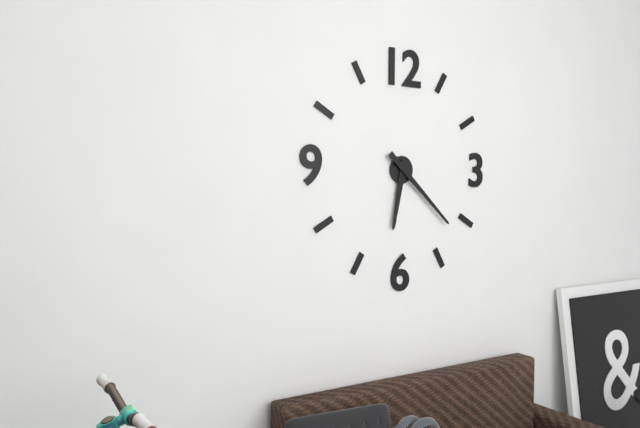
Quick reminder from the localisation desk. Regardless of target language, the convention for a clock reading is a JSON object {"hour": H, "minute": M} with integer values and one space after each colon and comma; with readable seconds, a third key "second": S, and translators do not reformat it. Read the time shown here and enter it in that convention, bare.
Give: {"hour": 6, "minute": 22}
